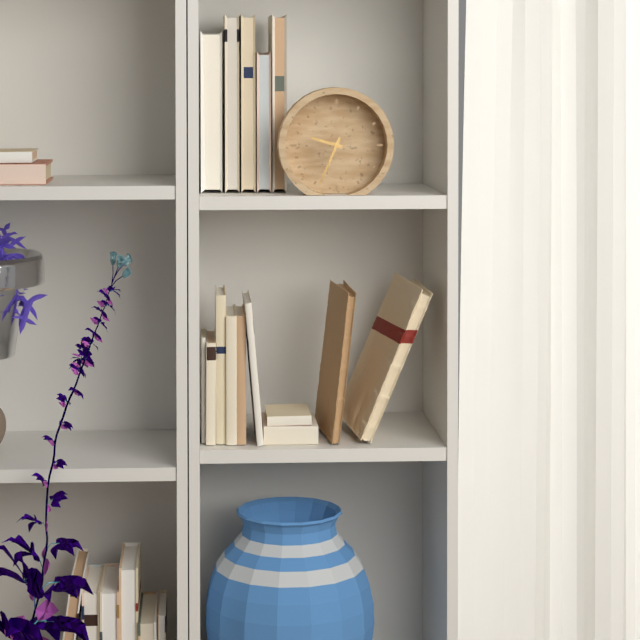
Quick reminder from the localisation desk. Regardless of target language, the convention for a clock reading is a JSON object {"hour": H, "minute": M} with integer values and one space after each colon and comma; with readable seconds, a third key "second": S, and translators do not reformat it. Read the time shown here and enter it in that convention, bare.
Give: {"hour": 9, "minute": 34}
